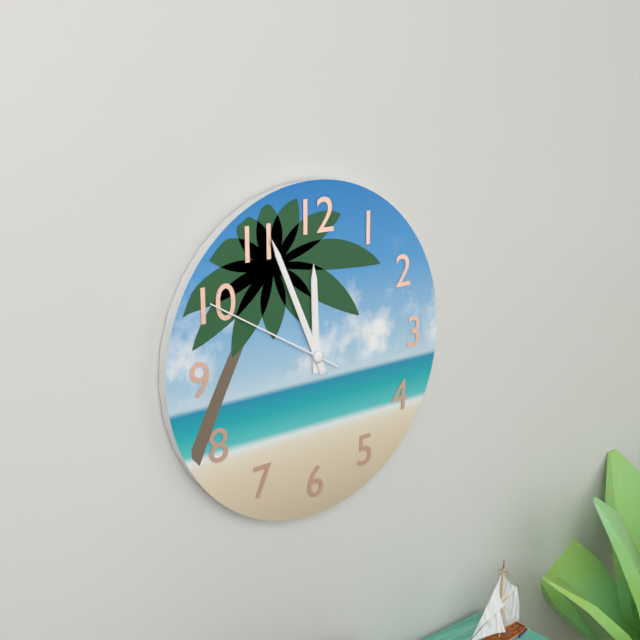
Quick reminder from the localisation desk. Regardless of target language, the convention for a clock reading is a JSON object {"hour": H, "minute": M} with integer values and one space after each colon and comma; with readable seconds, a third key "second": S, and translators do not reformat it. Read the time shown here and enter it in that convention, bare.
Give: {"hour": 11, "minute": 56, "second": 50}
